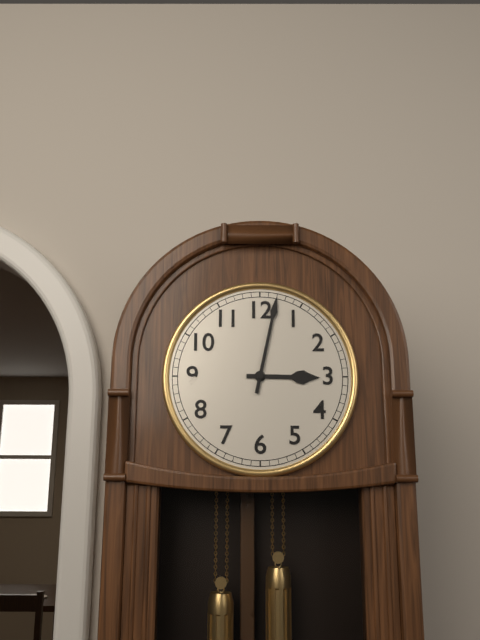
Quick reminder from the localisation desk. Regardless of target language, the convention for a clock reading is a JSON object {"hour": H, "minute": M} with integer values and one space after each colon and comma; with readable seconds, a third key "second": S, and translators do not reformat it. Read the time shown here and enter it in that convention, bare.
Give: {"hour": 3, "minute": 2}
